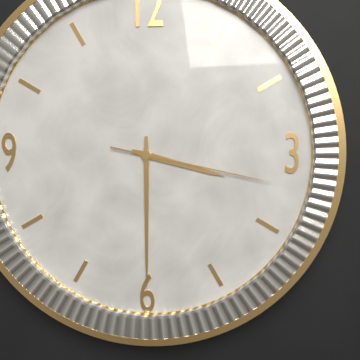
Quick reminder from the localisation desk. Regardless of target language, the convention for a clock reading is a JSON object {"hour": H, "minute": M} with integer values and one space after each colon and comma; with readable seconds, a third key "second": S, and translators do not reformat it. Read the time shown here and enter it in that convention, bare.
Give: {"hour": 3, "minute": 30, "second": 17}
